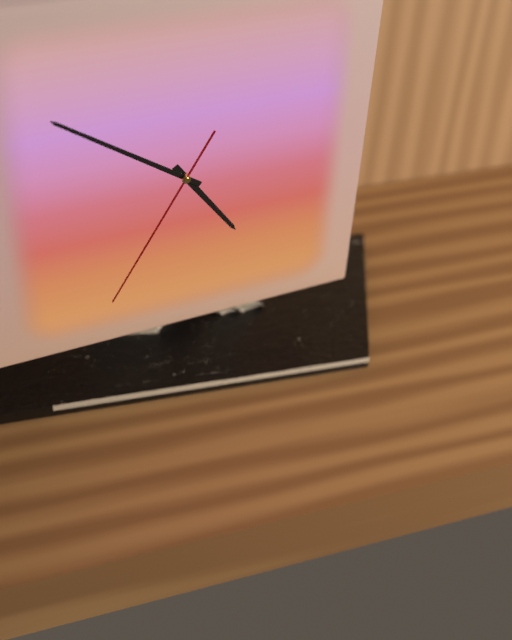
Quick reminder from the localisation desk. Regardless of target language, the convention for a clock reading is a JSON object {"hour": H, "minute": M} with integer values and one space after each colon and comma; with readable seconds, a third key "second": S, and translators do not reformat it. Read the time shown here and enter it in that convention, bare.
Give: {"hour": 4, "minute": 51, "second": 35}
